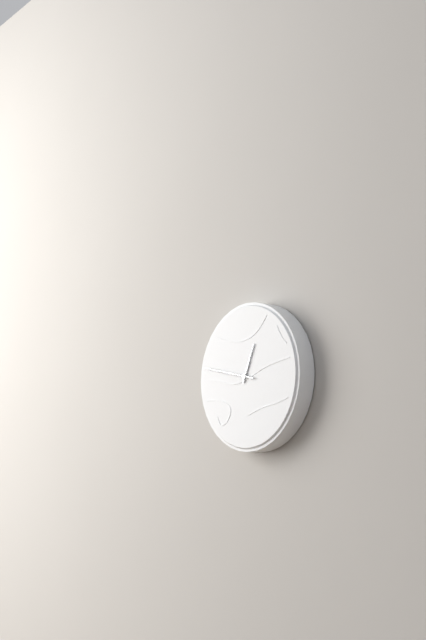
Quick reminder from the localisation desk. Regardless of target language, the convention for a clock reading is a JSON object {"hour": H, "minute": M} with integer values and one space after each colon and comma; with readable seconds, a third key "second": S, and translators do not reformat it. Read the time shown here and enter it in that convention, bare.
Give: {"hour": 12, "minute": 47}
